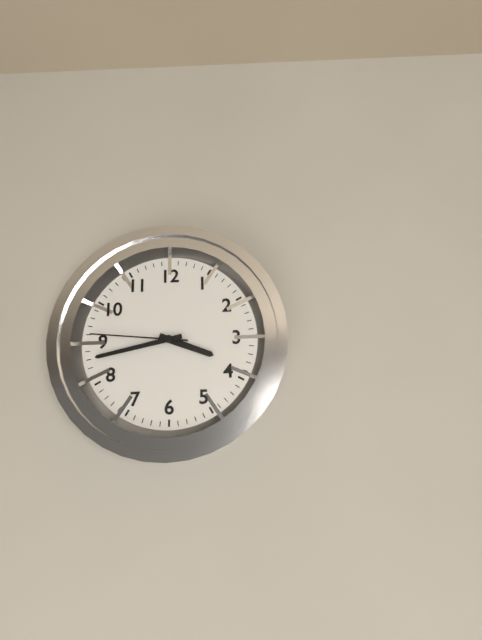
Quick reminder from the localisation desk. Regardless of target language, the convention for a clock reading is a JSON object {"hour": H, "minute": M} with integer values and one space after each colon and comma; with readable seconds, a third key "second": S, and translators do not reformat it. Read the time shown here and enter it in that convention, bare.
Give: {"hour": 3, "minute": 43, "second": 46}
